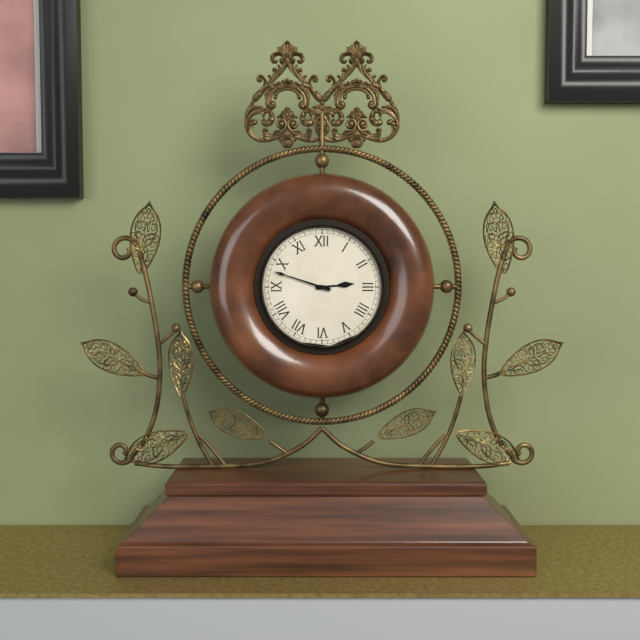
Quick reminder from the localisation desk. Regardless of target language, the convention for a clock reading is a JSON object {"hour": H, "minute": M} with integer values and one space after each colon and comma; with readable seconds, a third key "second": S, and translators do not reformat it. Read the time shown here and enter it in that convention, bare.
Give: {"hour": 2, "minute": 48}
